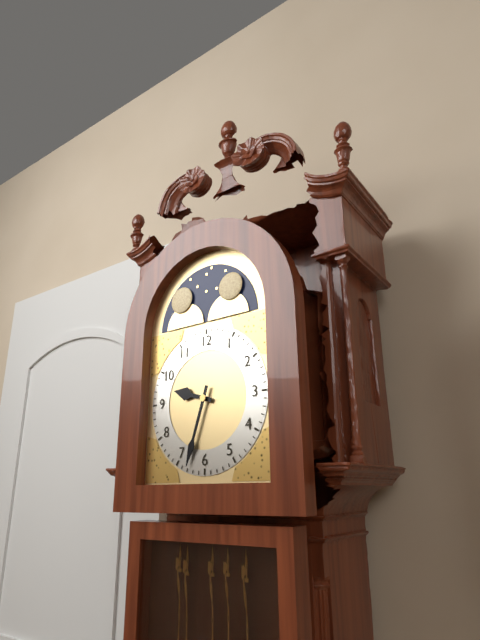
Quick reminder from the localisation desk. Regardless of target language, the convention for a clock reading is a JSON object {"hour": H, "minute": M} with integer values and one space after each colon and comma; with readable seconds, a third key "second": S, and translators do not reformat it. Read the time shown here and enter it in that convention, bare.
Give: {"hour": 9, "minute": 33}
